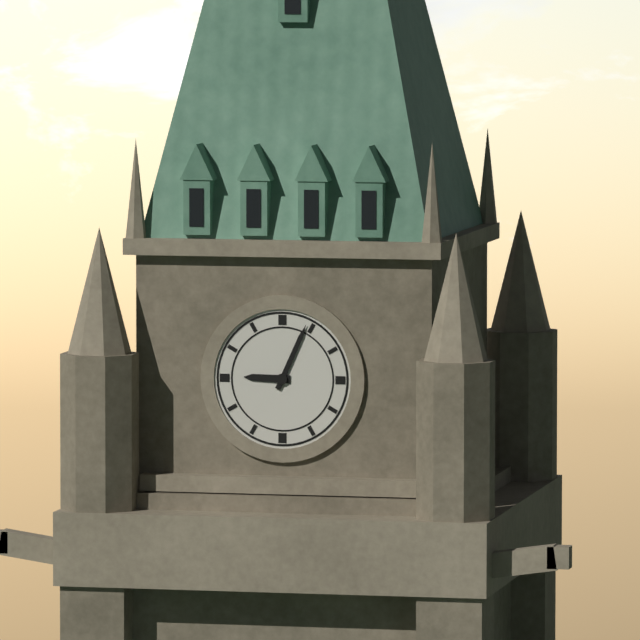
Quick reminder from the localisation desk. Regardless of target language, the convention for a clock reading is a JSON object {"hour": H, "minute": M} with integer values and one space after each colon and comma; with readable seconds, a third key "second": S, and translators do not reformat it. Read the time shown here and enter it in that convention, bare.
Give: {"hour": 9, "minute": 4}
